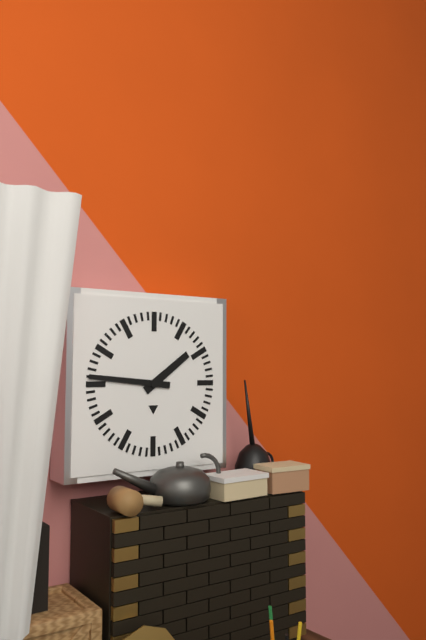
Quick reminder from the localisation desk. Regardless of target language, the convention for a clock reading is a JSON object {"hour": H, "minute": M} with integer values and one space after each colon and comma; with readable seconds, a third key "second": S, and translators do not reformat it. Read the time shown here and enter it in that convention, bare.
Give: {"hour": 1, "minute": 46}
